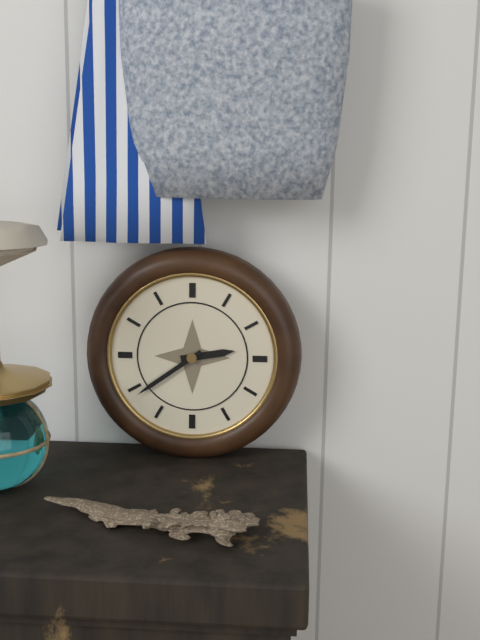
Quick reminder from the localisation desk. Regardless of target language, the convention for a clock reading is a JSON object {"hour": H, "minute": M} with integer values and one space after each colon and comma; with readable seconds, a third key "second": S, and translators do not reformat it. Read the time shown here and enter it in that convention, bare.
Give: {"hour": 2, "minute": 39}
